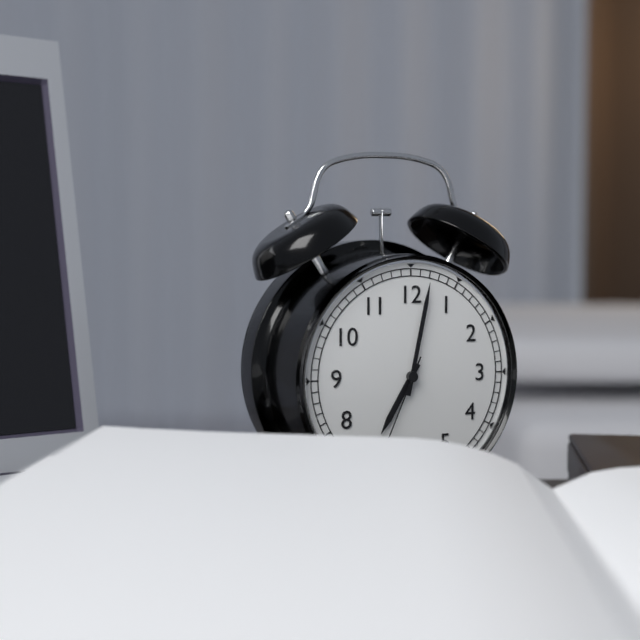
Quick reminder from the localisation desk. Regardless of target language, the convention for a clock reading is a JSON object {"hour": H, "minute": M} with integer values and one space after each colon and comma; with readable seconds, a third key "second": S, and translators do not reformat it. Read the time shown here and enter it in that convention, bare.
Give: {"hour": 7, "minute": 2, "second": 34}
